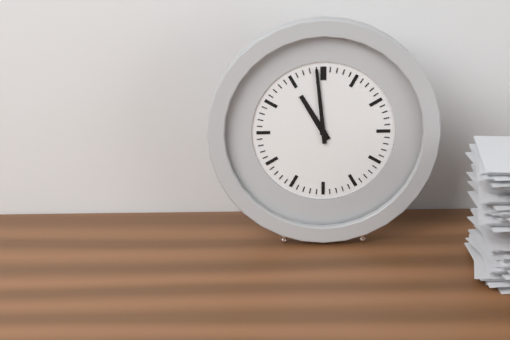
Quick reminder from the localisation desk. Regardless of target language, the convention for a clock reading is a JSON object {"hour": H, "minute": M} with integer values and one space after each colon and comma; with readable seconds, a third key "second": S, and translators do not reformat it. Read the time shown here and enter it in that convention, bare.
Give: {"hour": 10, "minute": 59}
